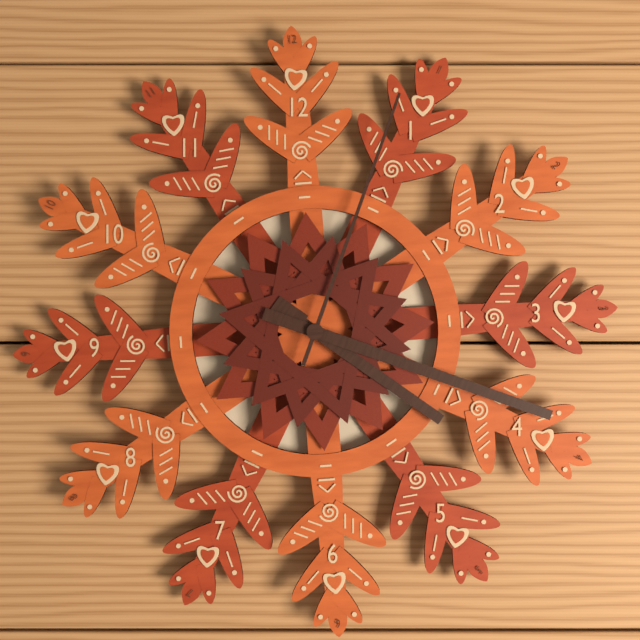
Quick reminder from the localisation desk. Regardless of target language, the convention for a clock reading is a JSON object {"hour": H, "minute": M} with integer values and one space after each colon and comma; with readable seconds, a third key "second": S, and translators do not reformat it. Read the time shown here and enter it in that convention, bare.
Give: {"hour": 4, "minute": 19, "second": 4}
